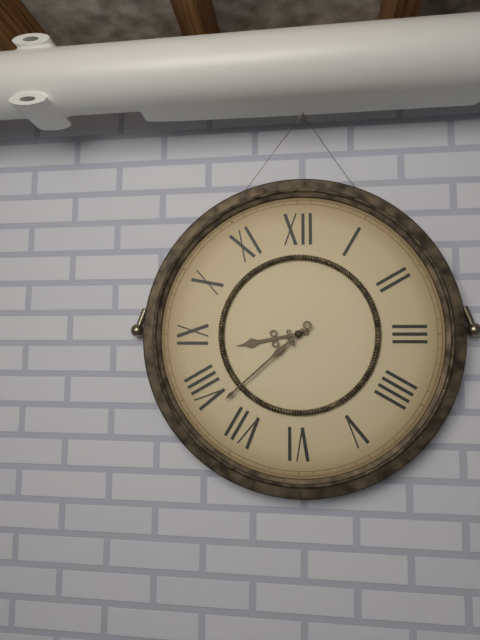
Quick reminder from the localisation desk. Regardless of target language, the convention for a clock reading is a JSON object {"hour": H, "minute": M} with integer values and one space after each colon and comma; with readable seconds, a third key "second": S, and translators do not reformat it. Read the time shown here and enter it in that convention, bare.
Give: {"hour": 8, "minute": 38}
